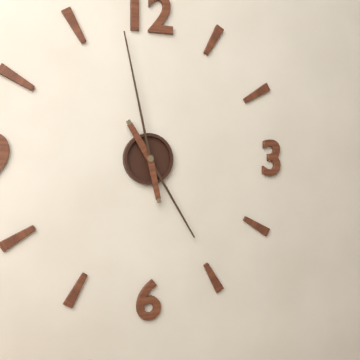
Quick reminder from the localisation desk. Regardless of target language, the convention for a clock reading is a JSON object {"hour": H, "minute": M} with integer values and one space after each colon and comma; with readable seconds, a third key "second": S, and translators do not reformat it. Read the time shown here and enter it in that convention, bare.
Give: {"hour": 4, "minute": 58}
